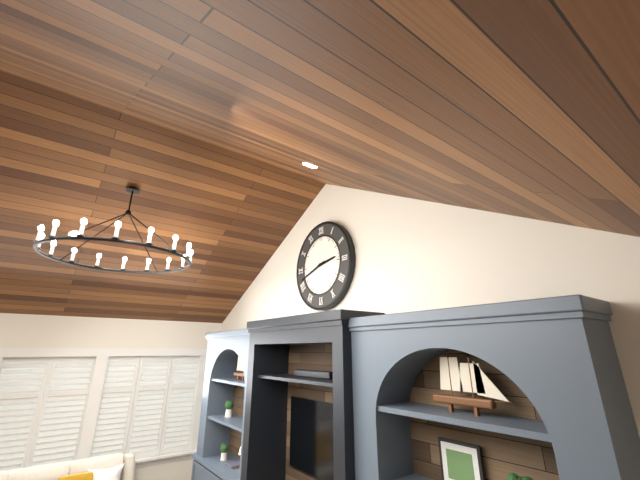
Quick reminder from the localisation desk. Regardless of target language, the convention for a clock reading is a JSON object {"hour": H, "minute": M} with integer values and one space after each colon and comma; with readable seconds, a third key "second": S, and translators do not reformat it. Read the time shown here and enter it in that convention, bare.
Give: {"hour": 2, "minute": 42}
